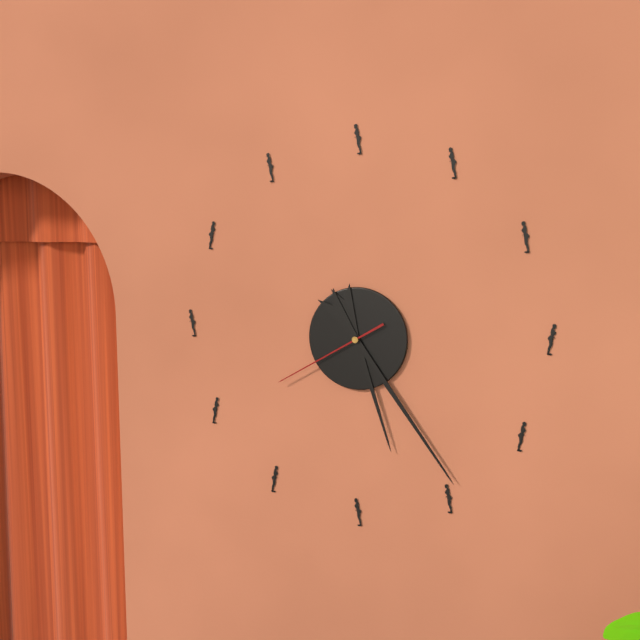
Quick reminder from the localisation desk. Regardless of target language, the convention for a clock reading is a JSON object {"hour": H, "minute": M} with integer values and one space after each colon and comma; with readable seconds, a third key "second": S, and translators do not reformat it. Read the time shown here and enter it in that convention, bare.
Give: {"hour": 5, "minute": 24, "second": 40}
